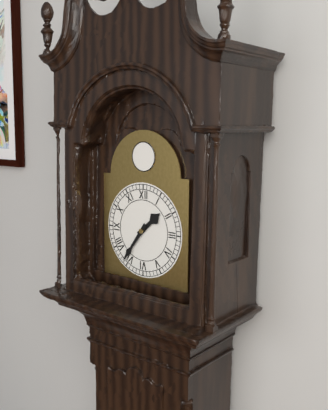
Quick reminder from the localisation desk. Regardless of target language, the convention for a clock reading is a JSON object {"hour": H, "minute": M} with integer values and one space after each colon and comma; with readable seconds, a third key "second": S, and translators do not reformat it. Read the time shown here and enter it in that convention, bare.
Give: {"hour": 1, "minute": 36}
